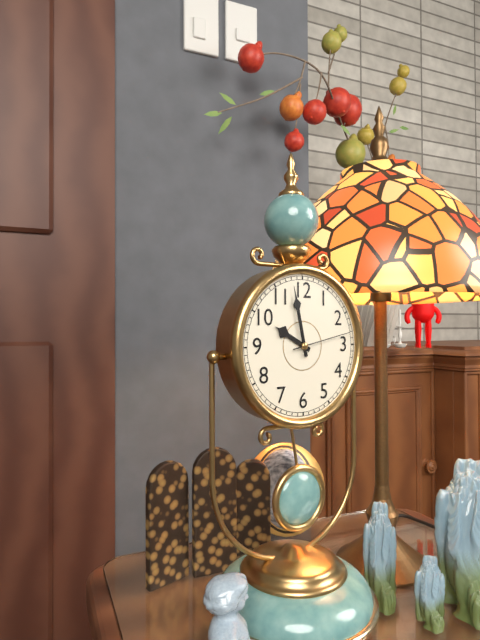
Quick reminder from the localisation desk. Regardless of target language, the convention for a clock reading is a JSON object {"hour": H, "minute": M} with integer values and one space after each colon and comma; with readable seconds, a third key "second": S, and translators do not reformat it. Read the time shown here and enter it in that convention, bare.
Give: {"hour": 9, "minute": 58, "second": 13}
